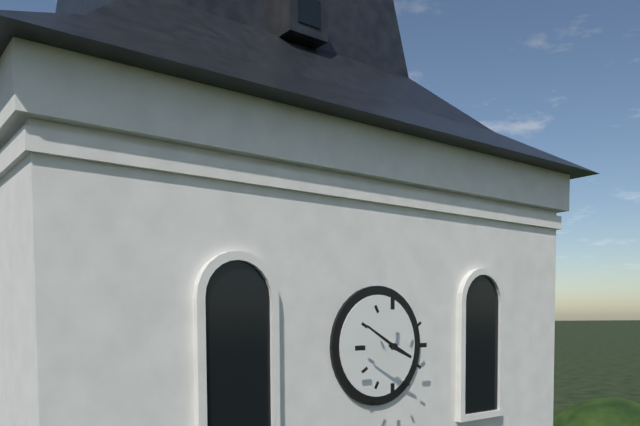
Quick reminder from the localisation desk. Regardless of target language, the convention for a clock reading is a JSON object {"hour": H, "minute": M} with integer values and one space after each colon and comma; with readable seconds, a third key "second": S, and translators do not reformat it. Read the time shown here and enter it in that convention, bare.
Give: {"hour": 3, "minute": 50}
